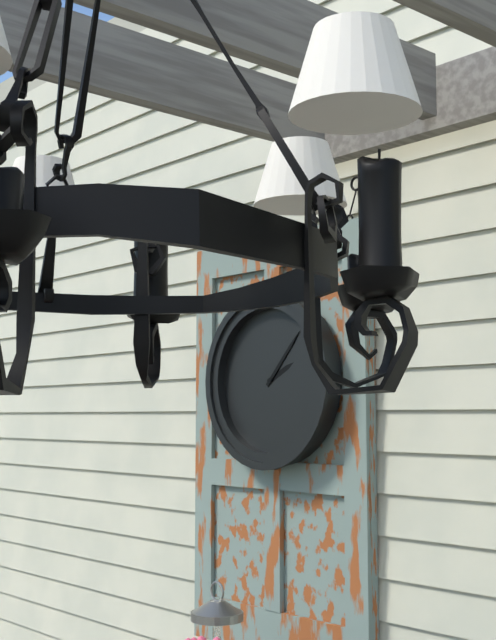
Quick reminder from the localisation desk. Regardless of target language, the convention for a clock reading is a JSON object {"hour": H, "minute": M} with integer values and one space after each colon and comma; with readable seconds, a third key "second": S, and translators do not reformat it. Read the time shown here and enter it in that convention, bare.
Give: {"hour": 2, "minute": 7}
